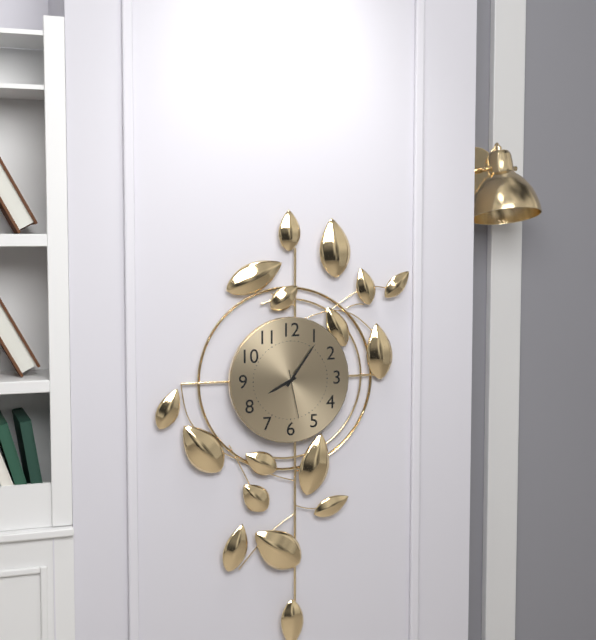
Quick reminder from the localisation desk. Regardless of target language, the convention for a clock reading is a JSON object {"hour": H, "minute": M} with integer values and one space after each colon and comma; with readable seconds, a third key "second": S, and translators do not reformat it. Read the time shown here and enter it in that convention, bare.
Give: {"hour": 8, "minute": 6}
